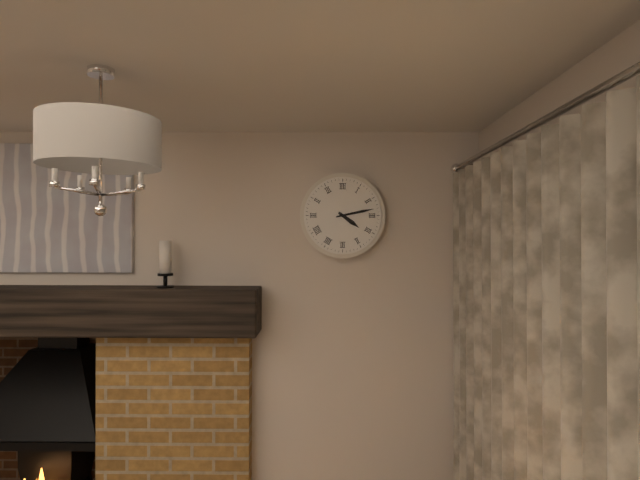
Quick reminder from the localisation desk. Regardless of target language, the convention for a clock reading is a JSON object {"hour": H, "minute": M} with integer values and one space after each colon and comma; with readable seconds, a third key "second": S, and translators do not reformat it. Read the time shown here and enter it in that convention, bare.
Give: {"hour": 4, "minute": 13}
